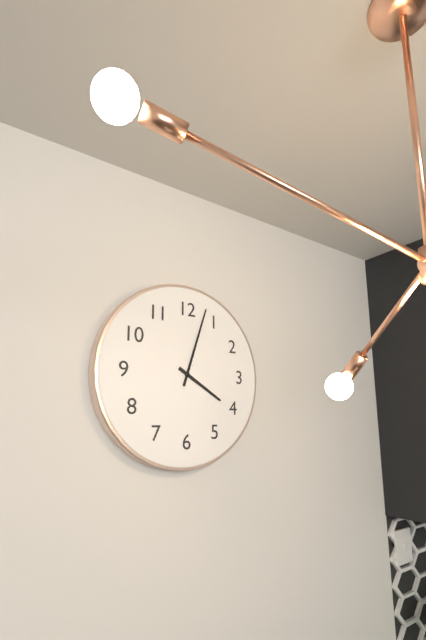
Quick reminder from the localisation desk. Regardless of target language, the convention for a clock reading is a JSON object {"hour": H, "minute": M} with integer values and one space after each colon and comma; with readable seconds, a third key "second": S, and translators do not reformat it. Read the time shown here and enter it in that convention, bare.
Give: {"hour": 4, "minute": 3}
